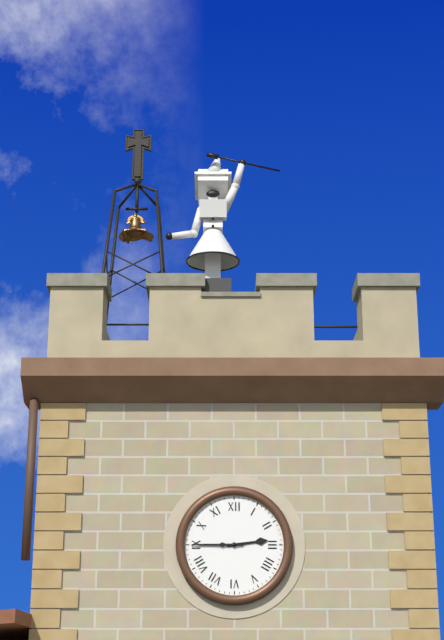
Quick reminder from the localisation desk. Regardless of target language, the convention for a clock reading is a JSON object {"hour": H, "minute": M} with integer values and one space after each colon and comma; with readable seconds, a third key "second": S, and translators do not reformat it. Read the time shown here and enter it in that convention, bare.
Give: {"hour": 2, "minute": 45}
